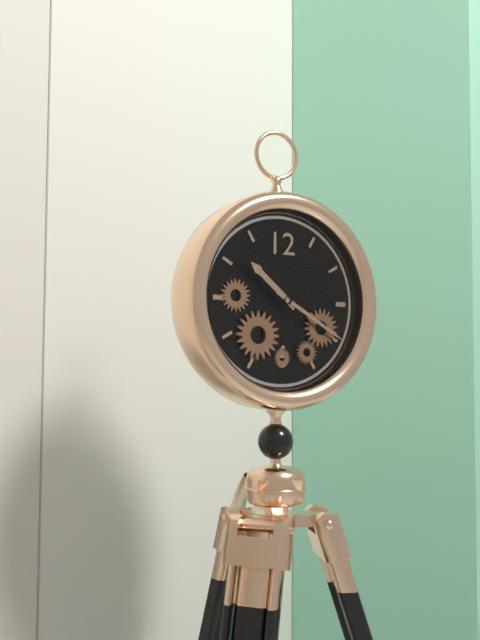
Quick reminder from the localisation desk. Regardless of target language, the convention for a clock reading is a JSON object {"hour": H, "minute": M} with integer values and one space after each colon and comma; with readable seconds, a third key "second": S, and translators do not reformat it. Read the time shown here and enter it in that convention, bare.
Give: {"hour": 10, "minute": 20}
